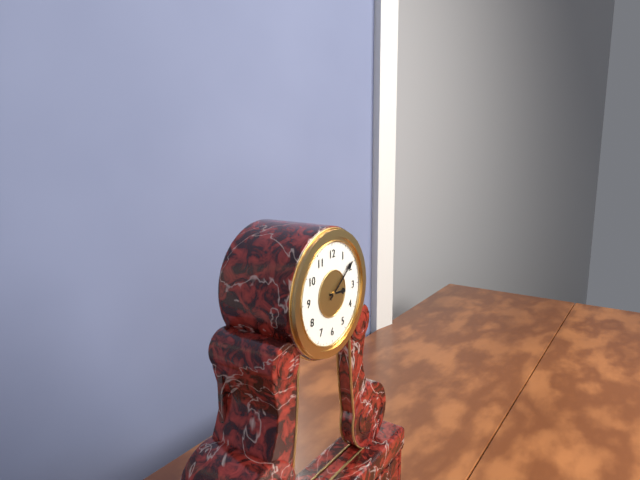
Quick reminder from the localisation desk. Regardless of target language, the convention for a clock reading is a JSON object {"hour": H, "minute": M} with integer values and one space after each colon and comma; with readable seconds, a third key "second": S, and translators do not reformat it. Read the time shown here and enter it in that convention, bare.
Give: {"hour": 3, "minute": 9}
